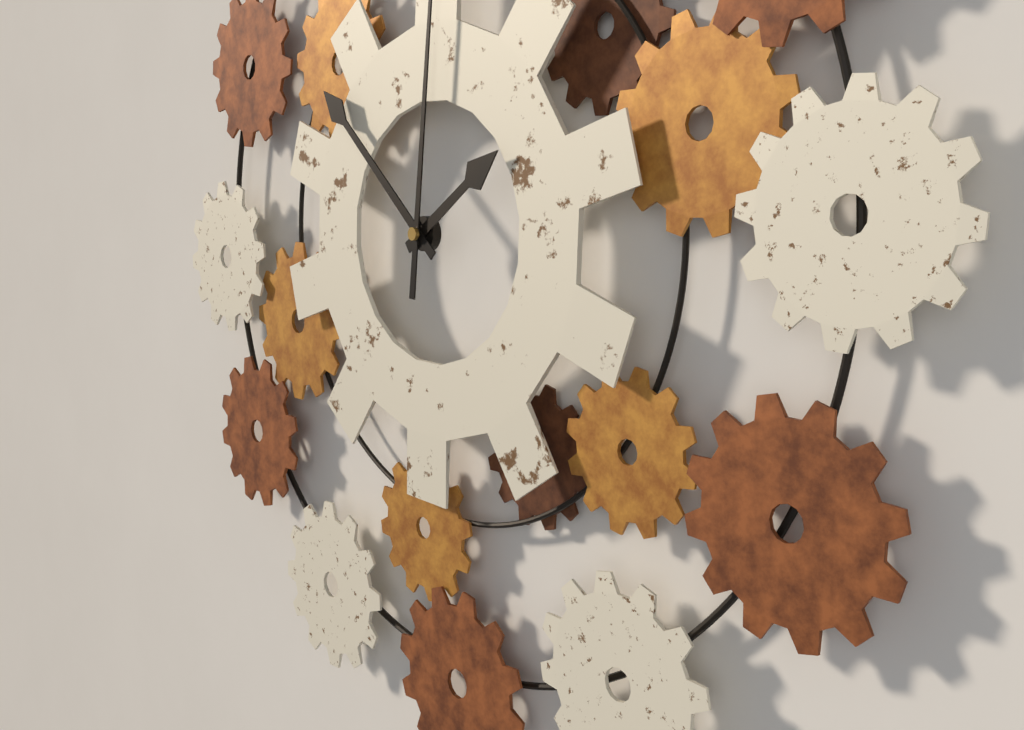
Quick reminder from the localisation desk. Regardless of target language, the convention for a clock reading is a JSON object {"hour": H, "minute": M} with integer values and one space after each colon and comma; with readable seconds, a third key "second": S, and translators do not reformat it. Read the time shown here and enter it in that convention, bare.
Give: {"hour": 1, "minute": 52}
